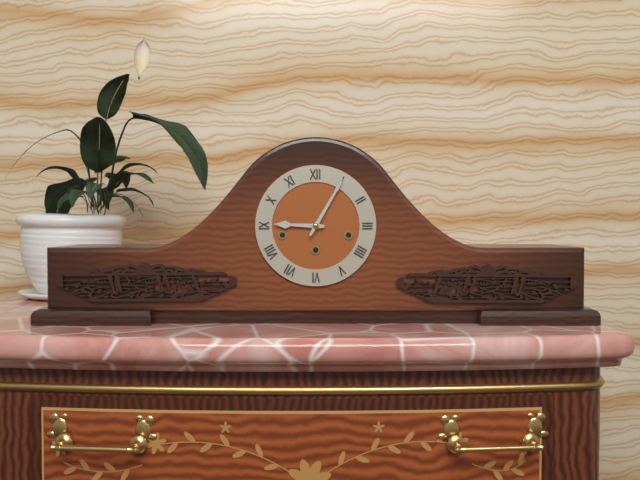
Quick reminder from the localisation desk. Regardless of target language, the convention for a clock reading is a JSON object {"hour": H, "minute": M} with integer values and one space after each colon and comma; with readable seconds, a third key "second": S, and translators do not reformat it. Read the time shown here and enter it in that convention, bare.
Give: {"hour": 9, "minute": 5}
